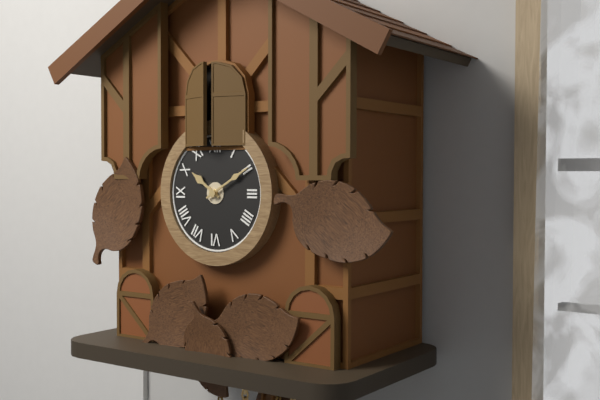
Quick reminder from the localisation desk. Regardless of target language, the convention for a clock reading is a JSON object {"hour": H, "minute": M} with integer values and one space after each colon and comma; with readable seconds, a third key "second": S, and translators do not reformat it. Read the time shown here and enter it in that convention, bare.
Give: {"hour": 10, "minute": 10}
